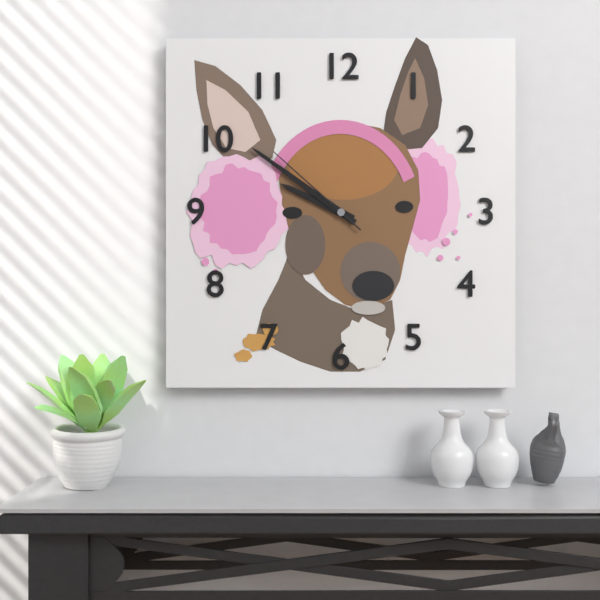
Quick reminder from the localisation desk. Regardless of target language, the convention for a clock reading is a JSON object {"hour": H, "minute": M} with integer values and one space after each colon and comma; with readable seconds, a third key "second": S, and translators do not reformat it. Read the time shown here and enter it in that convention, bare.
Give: {"hour": 9, "minute": 51, "second": 52}
